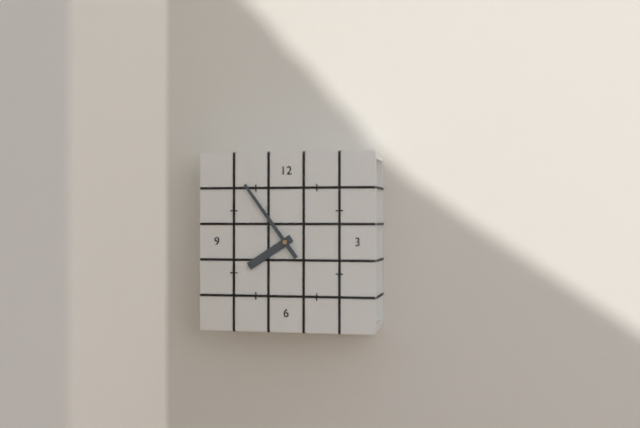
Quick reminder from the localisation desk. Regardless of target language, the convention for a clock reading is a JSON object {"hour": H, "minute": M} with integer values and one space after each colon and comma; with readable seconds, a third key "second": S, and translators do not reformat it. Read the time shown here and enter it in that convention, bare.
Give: {"hour": 7, "minute": 54}
